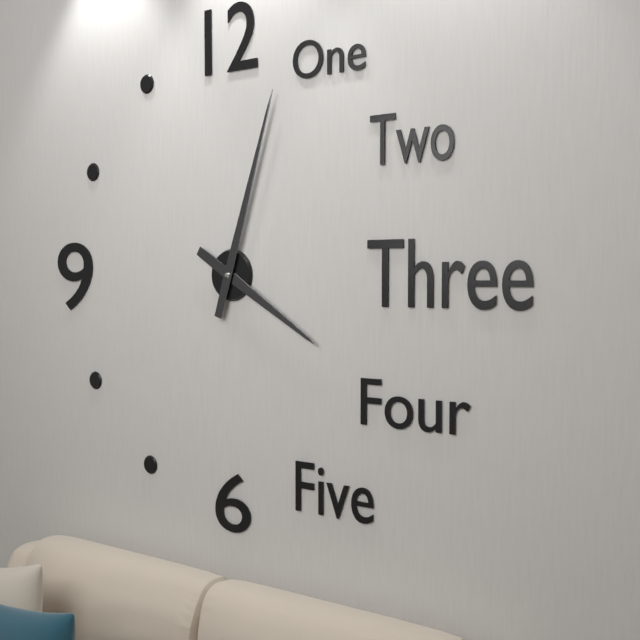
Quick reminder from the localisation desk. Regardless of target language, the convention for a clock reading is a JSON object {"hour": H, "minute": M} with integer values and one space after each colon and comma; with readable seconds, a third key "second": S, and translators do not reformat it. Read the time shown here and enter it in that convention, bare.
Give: {"hour": 4, "minute": 3}
